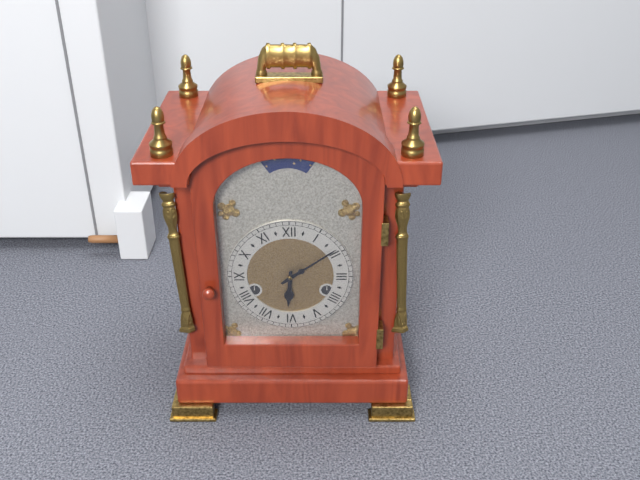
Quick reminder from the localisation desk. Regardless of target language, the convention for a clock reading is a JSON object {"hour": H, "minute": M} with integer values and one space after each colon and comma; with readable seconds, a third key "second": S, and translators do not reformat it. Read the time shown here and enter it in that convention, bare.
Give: {"hour": 6, "minute": 9}
